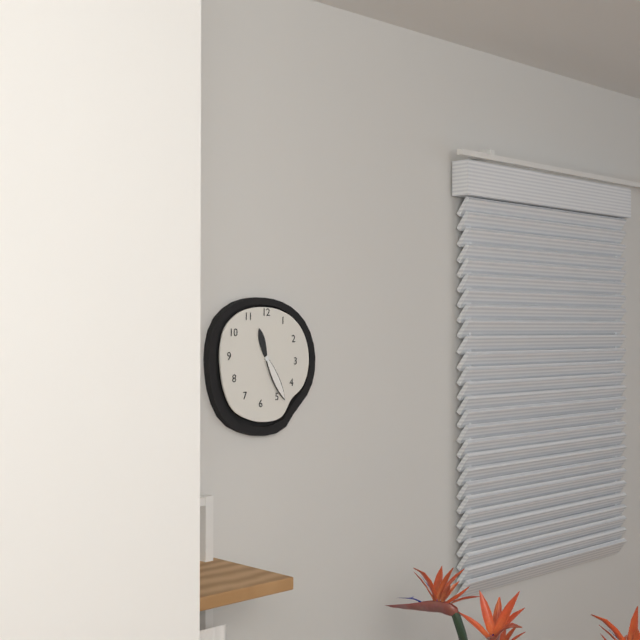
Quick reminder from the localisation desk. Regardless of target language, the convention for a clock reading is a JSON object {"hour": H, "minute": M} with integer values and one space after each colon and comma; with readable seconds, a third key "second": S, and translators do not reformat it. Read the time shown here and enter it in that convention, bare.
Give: {"hour": 11, "minute": 25}
